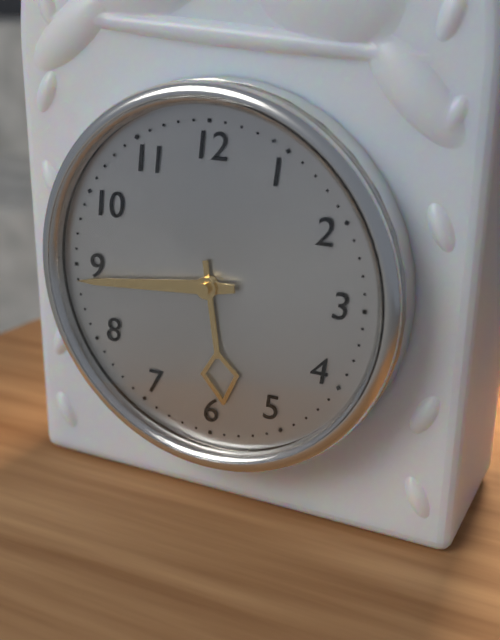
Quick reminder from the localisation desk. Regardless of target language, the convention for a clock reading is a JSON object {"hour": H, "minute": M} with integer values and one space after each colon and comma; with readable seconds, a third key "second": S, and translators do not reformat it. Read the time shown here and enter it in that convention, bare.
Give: {"hour": 5, "minute": 44}
